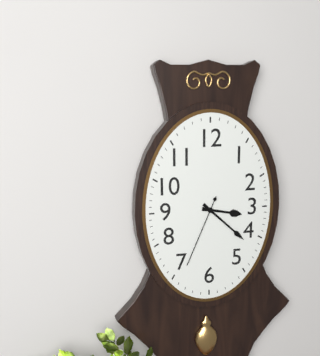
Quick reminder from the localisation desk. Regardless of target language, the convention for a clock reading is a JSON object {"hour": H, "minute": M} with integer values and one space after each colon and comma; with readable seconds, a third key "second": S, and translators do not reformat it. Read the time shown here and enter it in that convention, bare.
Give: {"hour": 3, "minute": 22, "second": 34}
